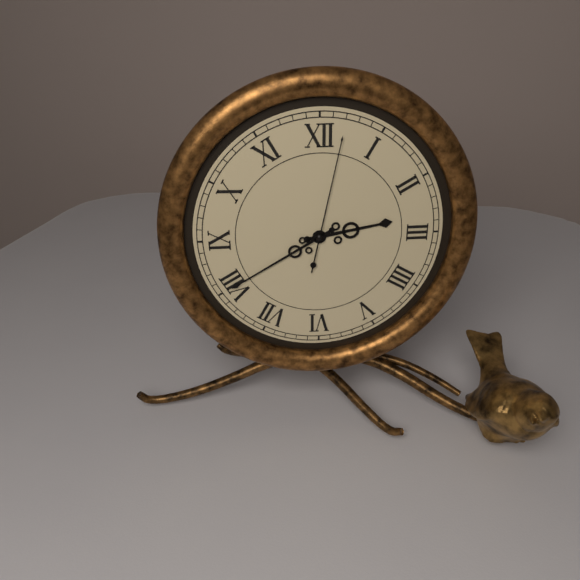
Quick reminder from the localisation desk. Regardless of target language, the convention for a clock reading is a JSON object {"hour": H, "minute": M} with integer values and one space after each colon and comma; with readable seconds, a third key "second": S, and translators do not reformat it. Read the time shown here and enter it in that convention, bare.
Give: {"hour": 2, "minute": 40, "second": 2}
